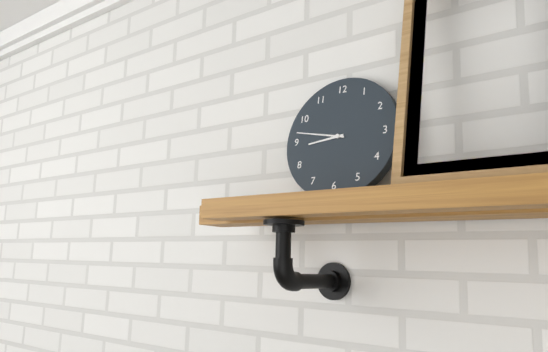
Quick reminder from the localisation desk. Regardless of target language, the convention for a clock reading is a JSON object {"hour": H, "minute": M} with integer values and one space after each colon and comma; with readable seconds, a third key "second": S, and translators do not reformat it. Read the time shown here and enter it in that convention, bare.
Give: {"hour": 8, "minute": 47}
